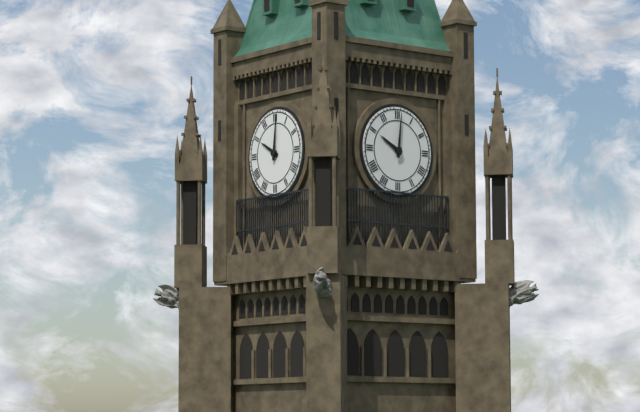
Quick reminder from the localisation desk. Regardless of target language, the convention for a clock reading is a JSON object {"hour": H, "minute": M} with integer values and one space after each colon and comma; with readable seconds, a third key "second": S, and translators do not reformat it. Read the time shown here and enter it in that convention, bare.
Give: {"hour": 10, "minute": 1}
